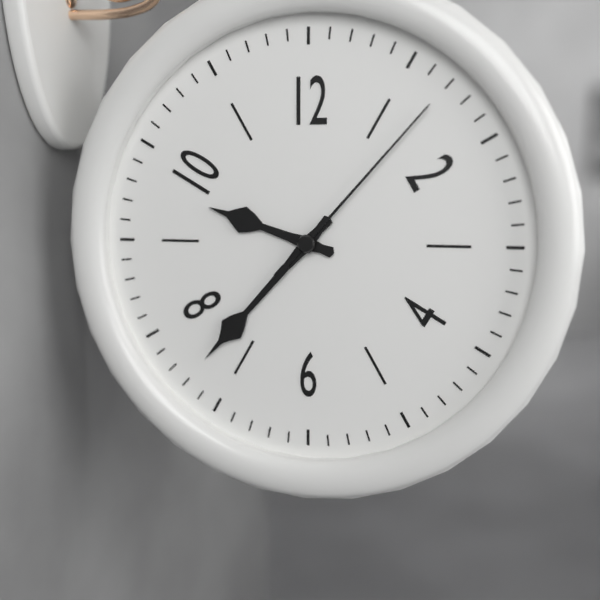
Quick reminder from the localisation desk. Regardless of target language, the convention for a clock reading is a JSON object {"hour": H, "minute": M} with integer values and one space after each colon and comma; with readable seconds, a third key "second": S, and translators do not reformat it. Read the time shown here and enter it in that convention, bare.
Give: {"hour": 9, "minute": 37, "second": 7}
